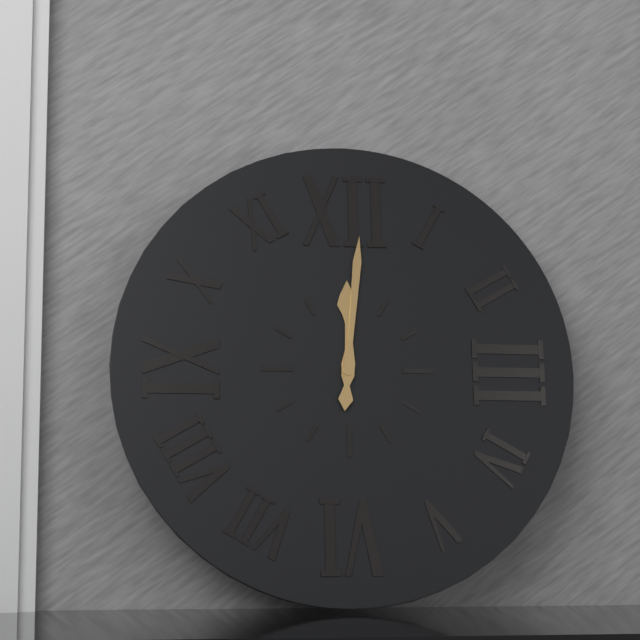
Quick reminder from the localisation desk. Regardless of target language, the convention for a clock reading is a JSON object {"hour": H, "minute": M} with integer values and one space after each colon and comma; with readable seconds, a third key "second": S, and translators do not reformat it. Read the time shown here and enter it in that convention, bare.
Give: {"hour": 12, "minute": 1}
